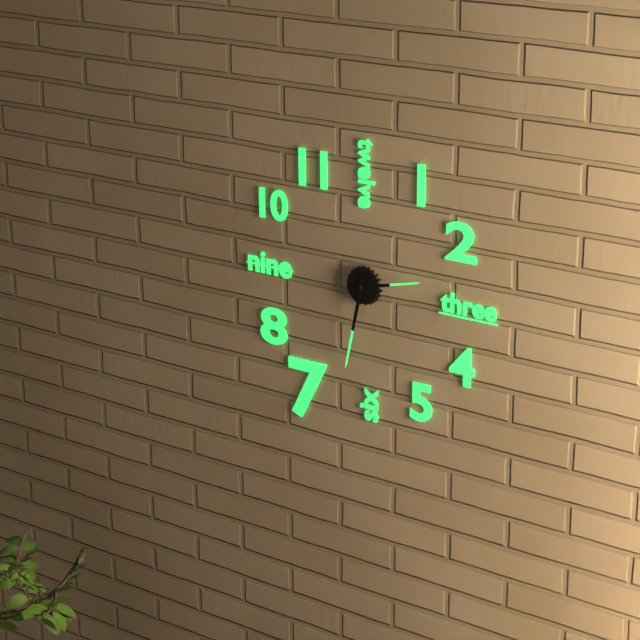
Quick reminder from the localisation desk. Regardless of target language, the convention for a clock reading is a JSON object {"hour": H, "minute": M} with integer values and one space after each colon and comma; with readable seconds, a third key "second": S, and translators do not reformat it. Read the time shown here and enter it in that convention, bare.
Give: {"hour": 2, "minute": 32}
